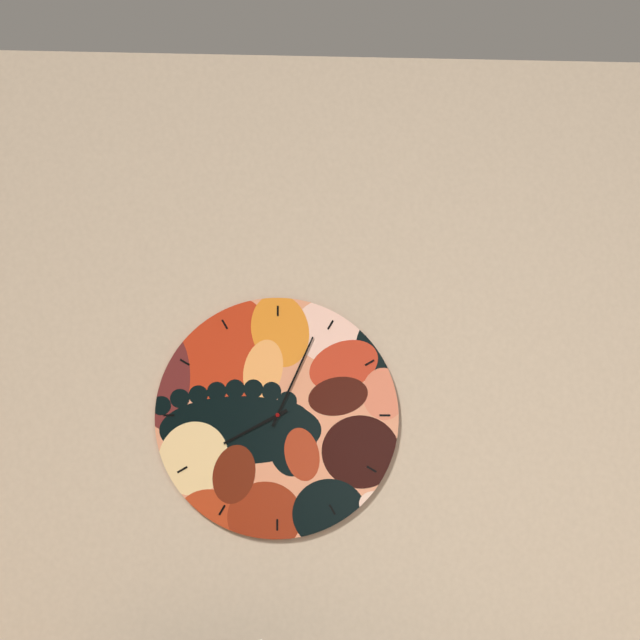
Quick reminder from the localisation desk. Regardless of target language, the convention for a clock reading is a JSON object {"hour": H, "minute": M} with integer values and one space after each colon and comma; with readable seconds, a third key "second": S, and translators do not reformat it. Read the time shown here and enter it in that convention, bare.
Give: {"hour": 8, "minute": 4}
